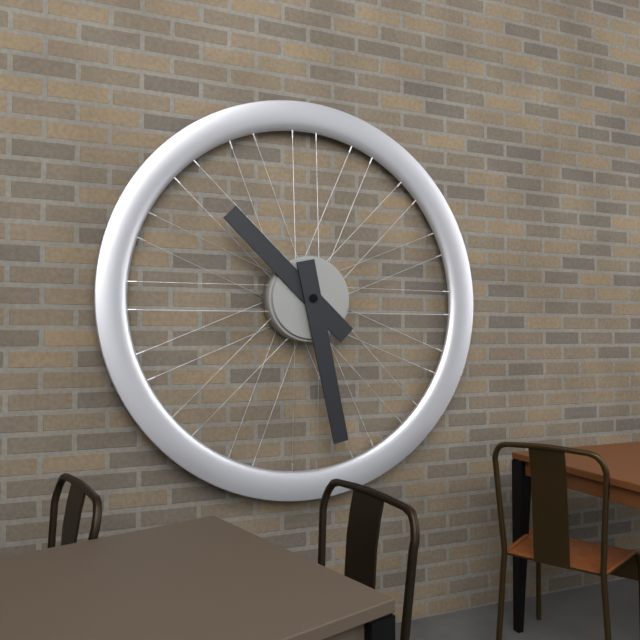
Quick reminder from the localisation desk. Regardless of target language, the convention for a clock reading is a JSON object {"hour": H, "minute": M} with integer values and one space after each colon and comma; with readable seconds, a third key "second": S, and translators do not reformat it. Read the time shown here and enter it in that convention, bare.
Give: {"hour": 10, "minute": 28}
